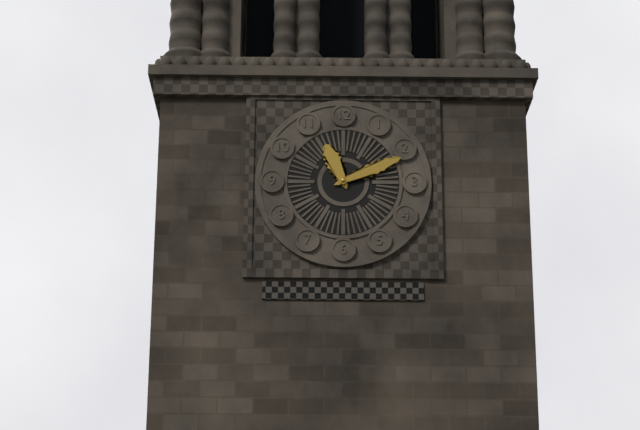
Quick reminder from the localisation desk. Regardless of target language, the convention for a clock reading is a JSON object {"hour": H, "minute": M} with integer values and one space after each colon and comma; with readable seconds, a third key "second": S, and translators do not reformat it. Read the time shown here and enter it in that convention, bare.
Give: {"hour": 11, "minute": 11}
